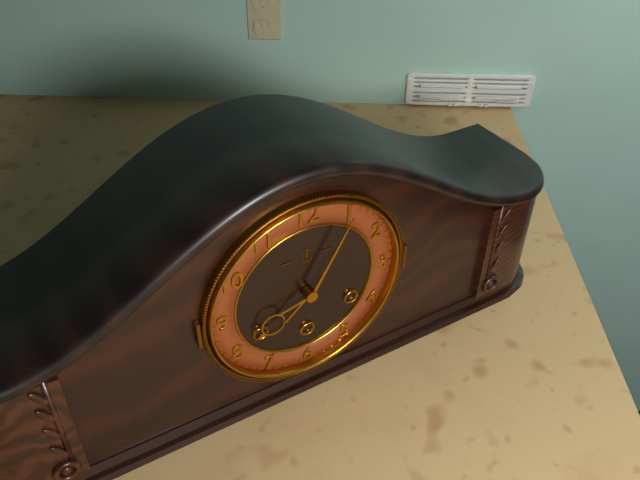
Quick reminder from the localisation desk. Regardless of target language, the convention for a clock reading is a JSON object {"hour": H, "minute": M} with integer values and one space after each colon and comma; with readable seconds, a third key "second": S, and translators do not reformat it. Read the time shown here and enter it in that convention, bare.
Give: {"hour": 8, "minute": 5}
